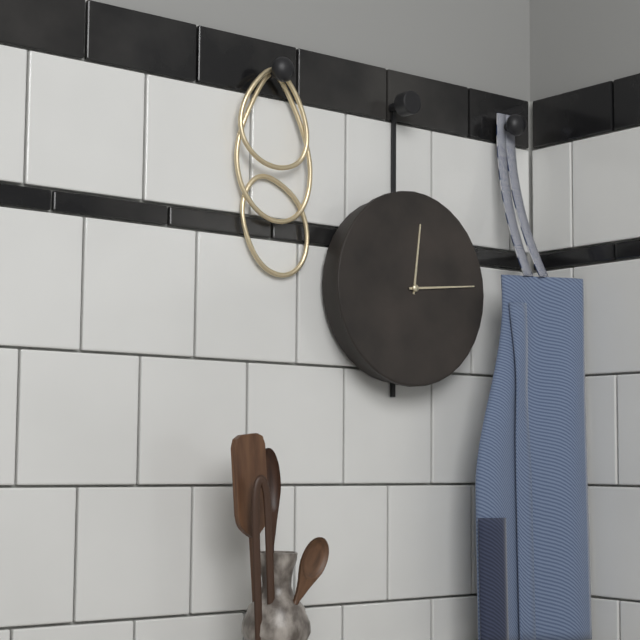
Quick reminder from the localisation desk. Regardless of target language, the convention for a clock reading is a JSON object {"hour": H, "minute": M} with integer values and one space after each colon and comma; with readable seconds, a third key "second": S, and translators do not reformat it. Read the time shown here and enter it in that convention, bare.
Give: {"hour": 12, "minute": 14}
